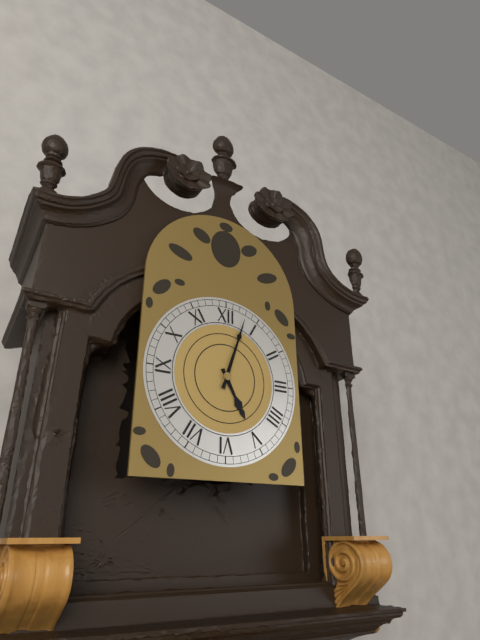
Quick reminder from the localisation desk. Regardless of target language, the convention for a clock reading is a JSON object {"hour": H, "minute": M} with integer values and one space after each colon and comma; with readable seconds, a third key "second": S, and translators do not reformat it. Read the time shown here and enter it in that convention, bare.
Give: {"hour": 5, "minute": 3}
